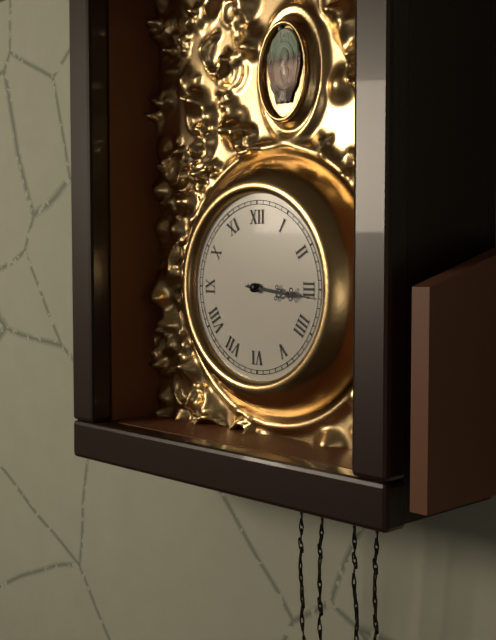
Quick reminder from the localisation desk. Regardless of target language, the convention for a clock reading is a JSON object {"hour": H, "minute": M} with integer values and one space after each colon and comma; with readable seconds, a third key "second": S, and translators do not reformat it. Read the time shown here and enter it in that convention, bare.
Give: {"hour": 3, "minute": 16}
